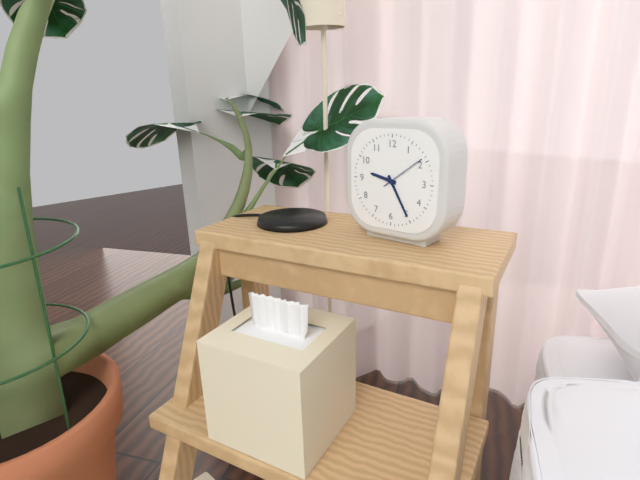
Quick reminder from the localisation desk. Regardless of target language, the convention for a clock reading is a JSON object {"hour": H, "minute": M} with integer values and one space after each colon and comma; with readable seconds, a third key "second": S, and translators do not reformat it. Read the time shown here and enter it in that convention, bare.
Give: {"hour": 9, "minute": 25}
